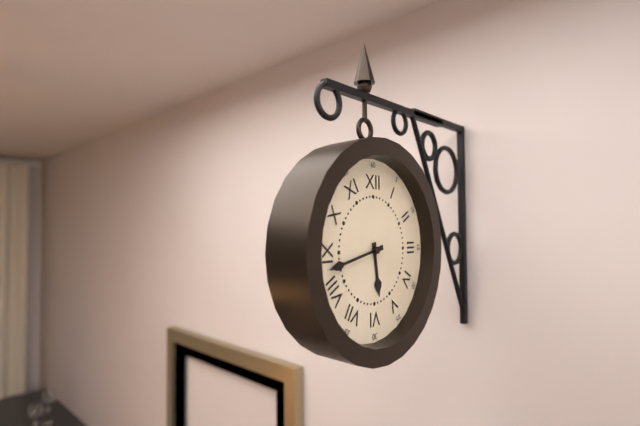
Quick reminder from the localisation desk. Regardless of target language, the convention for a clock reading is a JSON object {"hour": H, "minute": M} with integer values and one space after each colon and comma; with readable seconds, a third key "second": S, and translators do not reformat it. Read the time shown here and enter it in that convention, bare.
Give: {"hour": 5, "minute": 43}
